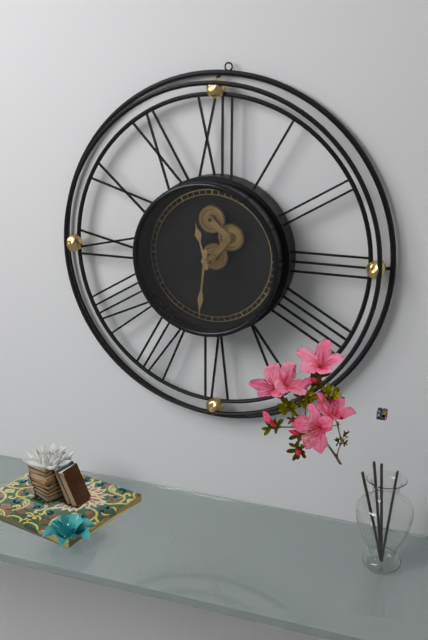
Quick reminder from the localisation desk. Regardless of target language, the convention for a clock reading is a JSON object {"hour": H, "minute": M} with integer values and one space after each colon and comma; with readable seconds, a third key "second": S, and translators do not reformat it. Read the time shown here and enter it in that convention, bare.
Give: {"hour": 11, "minute": 31}
